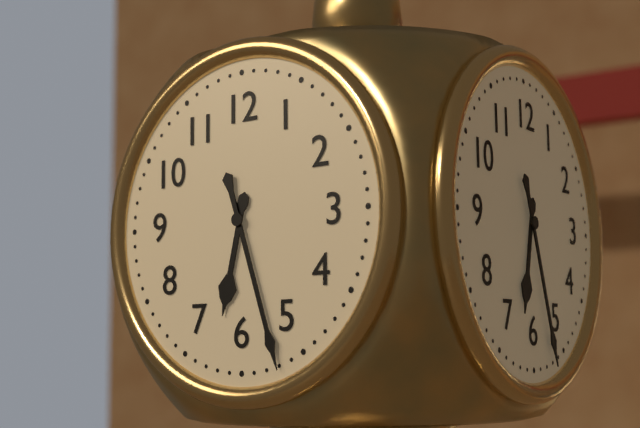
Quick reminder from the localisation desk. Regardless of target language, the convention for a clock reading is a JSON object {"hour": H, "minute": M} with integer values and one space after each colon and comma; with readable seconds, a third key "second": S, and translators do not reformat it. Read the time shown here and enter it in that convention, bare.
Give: {"hour": 6, "minute": 27}
